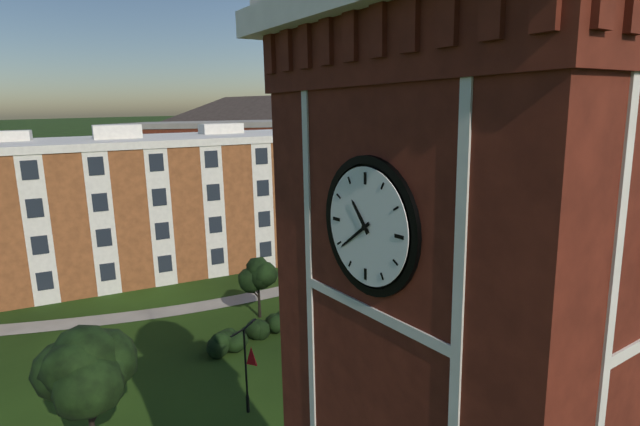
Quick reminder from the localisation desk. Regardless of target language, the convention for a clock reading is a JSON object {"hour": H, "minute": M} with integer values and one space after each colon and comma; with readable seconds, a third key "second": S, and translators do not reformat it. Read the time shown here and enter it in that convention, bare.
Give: {"hour": 10, "minute": 39}
